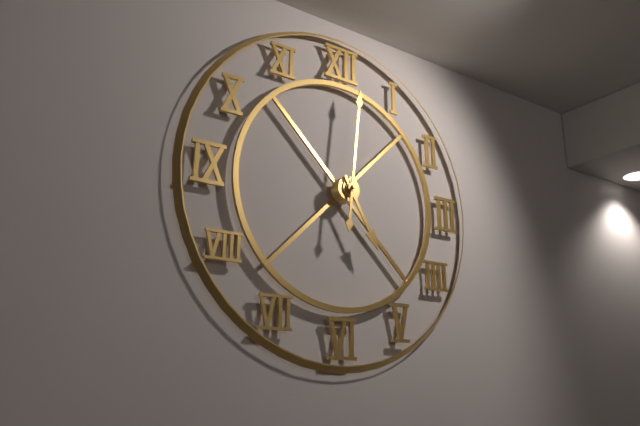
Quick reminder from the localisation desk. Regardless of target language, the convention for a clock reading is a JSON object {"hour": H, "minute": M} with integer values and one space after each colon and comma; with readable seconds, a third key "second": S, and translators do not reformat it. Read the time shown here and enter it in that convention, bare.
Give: {"hour": 5, "minute": 1}
